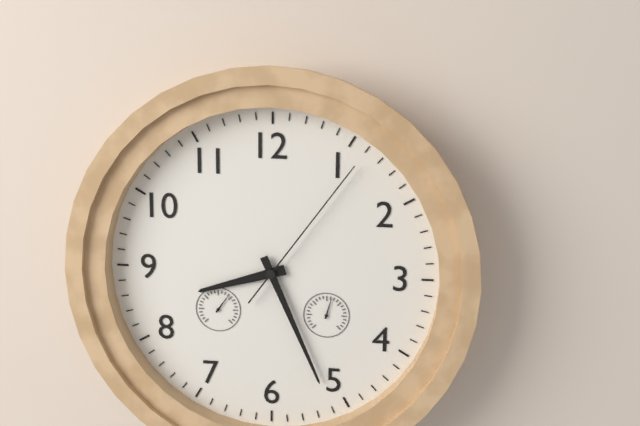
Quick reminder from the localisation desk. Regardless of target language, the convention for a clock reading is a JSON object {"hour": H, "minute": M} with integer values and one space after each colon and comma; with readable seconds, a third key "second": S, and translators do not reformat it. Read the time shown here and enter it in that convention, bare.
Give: {"hour": 8, "minute": 26, "second": 6}
